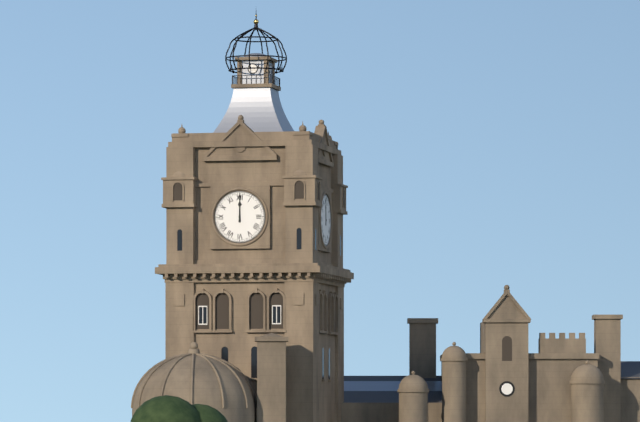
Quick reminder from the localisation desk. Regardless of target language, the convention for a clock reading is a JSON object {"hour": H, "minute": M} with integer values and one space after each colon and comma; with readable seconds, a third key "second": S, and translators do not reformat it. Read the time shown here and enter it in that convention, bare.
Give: {"hour": 12, "minute": 0}
